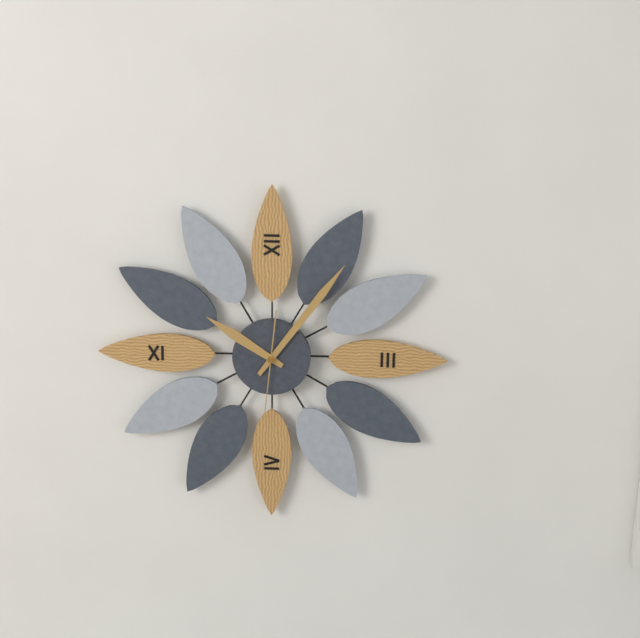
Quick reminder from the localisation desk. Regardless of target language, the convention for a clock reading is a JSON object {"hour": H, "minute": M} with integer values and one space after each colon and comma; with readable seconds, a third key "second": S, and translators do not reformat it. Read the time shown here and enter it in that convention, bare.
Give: {"hour": 10, "minute": 6, "second": 31}
